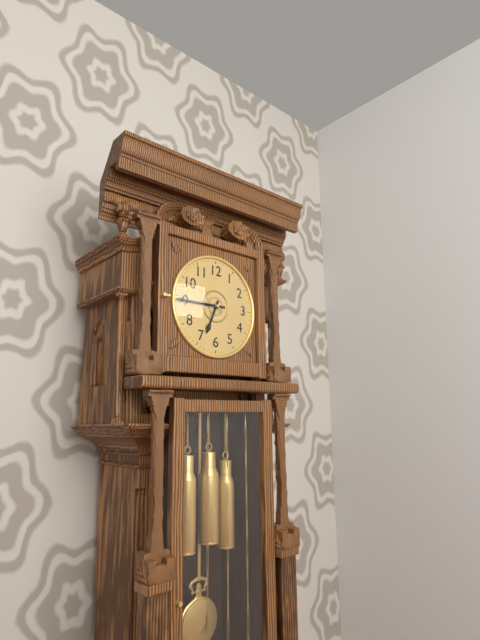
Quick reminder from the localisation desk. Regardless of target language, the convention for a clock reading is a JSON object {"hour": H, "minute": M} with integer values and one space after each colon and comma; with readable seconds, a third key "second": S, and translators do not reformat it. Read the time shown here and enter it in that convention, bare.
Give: {"hour": 6, "minute": 45}
